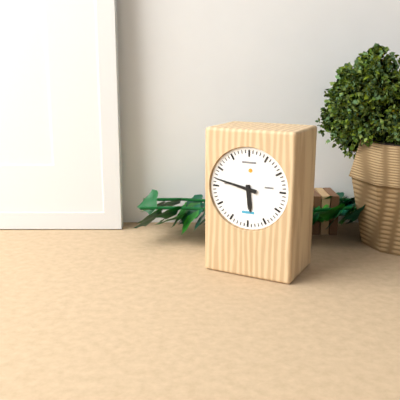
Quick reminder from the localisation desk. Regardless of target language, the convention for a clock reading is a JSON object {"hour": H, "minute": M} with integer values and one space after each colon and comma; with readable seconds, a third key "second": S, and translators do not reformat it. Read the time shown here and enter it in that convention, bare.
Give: {"hour": 5, "minute": 47}
